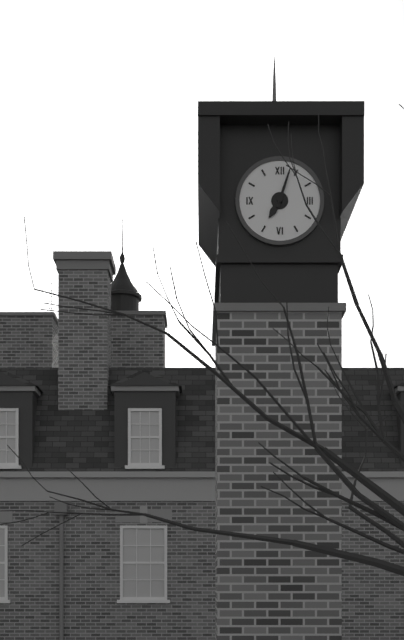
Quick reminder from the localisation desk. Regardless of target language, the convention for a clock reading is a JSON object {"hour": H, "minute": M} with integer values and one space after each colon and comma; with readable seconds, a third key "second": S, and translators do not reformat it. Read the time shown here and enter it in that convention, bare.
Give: {"hour": 7, "minute": 3}
